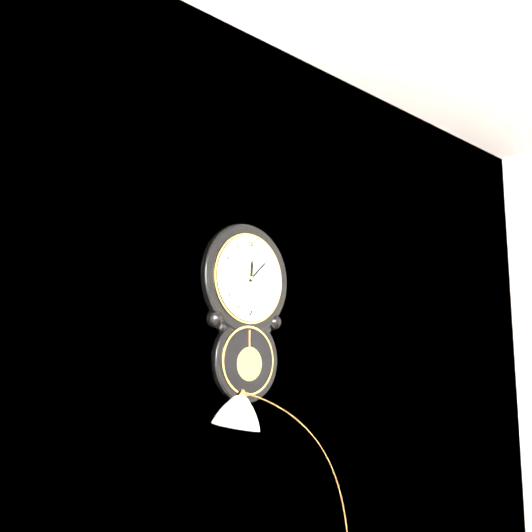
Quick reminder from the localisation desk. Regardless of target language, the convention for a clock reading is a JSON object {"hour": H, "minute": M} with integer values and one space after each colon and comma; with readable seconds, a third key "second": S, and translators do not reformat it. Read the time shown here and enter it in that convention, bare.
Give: {"hour": 12, "minute": 8}
